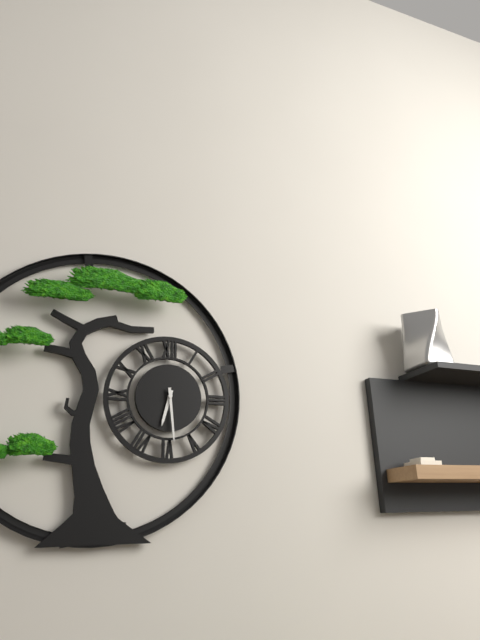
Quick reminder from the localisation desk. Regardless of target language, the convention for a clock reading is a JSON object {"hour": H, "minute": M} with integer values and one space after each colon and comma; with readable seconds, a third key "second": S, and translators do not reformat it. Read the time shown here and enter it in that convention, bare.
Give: {"hour": 6, "minute": 29}
